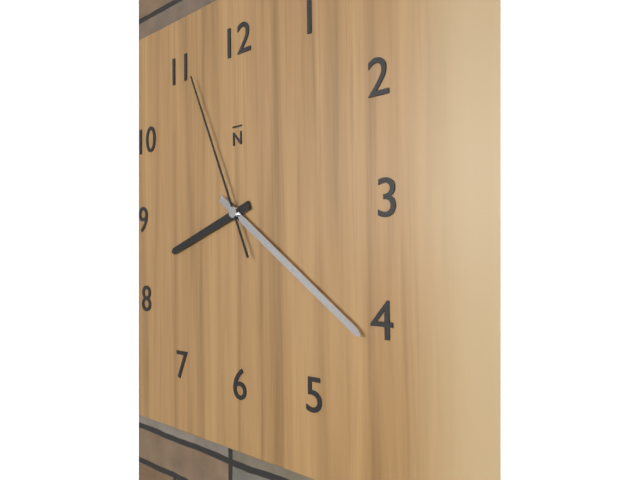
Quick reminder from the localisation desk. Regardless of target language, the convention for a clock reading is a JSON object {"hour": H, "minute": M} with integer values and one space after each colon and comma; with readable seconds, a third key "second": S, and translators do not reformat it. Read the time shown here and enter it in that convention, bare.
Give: {"hour": 8, "minute": 21, "second": 56}
